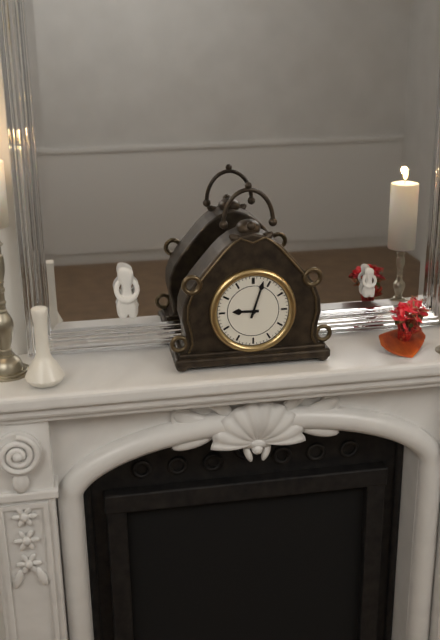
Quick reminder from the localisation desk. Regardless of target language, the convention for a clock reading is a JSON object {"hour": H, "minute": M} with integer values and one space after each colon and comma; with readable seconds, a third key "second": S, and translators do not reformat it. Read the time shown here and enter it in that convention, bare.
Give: {"hour": 9, "minute": 3}
